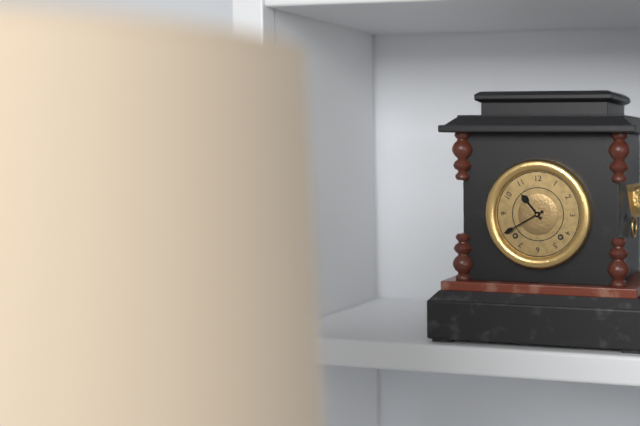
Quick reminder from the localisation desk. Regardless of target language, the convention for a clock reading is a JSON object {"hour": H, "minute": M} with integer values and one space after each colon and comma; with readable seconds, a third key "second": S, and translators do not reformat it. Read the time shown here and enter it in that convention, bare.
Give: {"hour": 10, "minute": 40}
